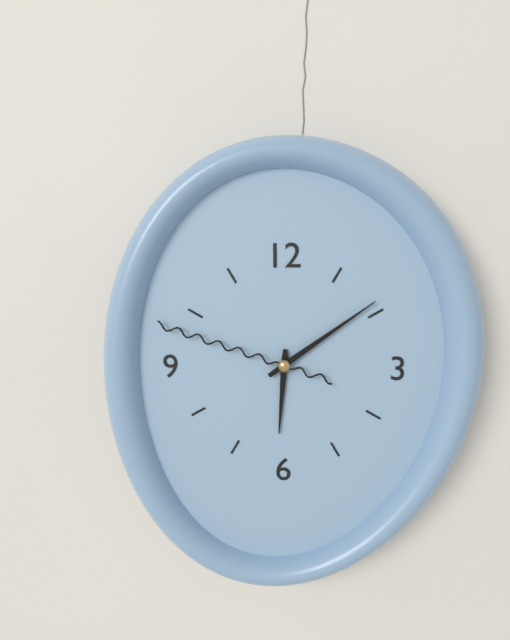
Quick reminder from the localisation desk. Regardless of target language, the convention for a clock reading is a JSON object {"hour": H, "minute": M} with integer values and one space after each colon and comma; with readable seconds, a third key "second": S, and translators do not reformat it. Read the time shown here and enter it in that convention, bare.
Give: {"hour": 6, "minute": 9, "second": 48}
